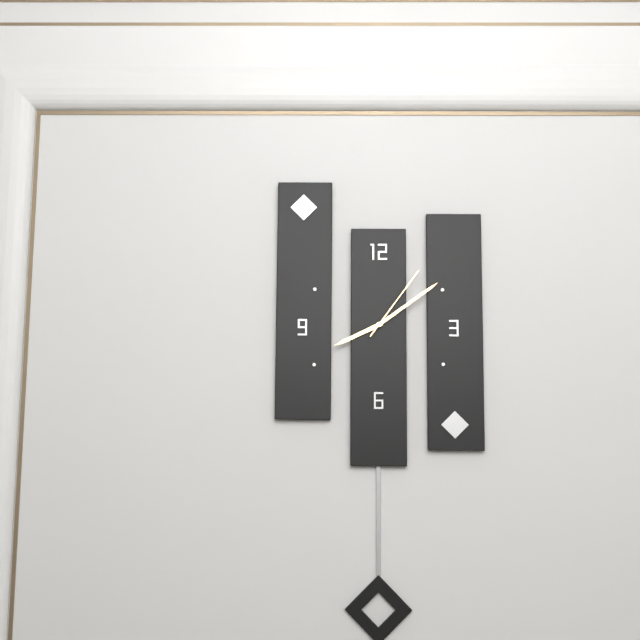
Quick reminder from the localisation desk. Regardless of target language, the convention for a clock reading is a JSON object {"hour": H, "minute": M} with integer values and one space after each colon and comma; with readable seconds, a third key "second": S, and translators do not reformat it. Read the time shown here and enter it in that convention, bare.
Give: {"hour": 8, "minute": 9, "second": 6}
